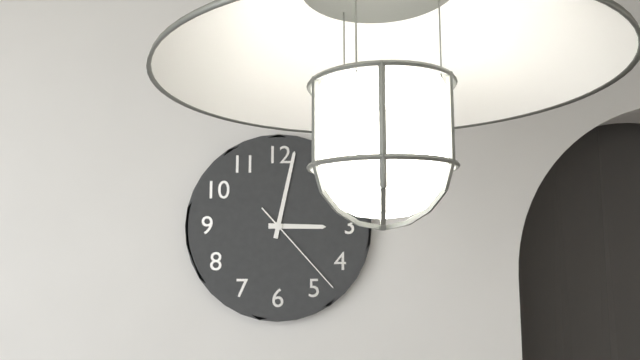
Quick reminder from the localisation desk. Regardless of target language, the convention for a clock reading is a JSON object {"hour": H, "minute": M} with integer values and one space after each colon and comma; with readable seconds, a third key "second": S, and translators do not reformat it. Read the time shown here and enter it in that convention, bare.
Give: {"hour": 3, "minute": 2, "second": 23}
